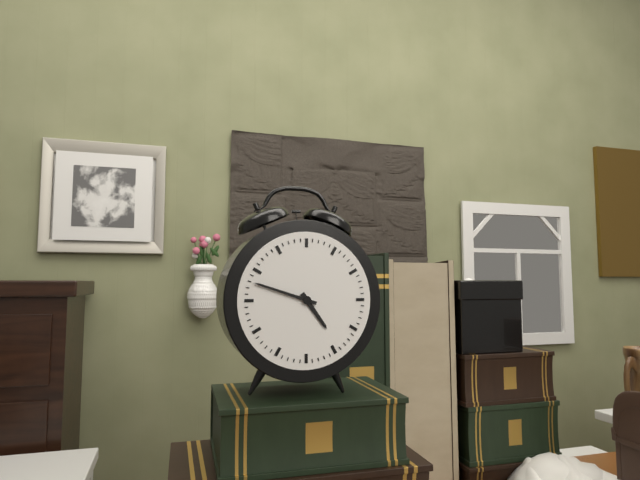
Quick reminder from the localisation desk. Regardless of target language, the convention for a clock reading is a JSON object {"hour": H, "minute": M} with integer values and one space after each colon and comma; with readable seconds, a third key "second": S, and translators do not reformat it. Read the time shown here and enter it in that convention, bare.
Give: {"hour": 4, "minute": 48}
